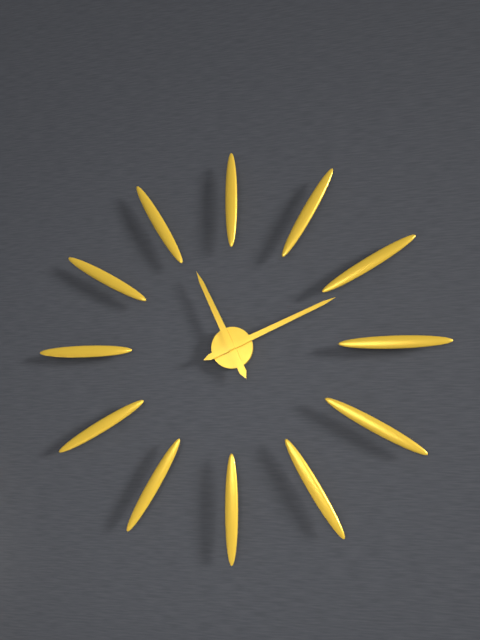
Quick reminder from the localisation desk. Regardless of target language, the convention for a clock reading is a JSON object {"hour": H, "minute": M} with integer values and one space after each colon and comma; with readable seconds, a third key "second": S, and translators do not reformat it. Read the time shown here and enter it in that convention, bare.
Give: {"hour": 11, "minute": 11}
